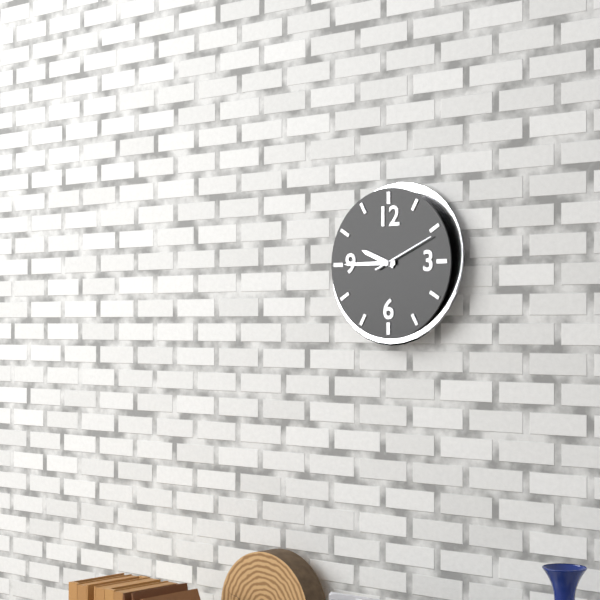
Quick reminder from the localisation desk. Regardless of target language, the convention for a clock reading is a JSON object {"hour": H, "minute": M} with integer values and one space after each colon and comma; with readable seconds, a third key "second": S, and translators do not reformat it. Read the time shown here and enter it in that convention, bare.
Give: {"hour": 9, "minute": 45, "second": 11}
